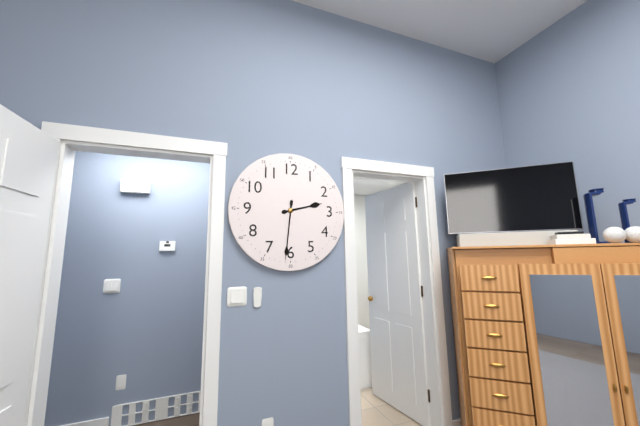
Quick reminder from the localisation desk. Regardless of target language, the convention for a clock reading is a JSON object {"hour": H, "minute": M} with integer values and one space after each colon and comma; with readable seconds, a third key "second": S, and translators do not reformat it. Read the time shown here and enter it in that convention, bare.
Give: {"hour": 2, "minute": 31}
